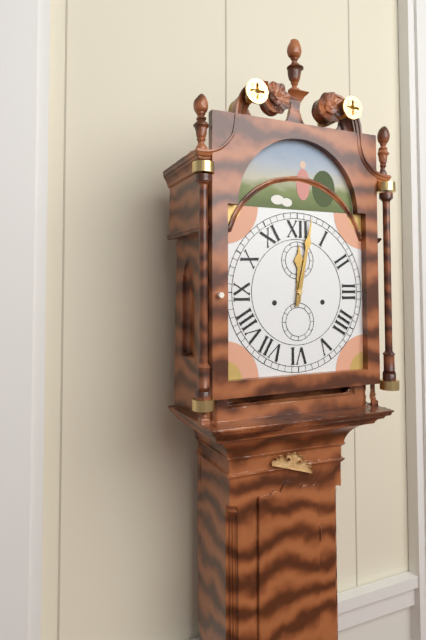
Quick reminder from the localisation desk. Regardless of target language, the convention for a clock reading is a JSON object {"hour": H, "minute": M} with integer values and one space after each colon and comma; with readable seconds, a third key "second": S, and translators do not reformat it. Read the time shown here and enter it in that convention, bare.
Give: {"hour": 12, "minute": 2}
